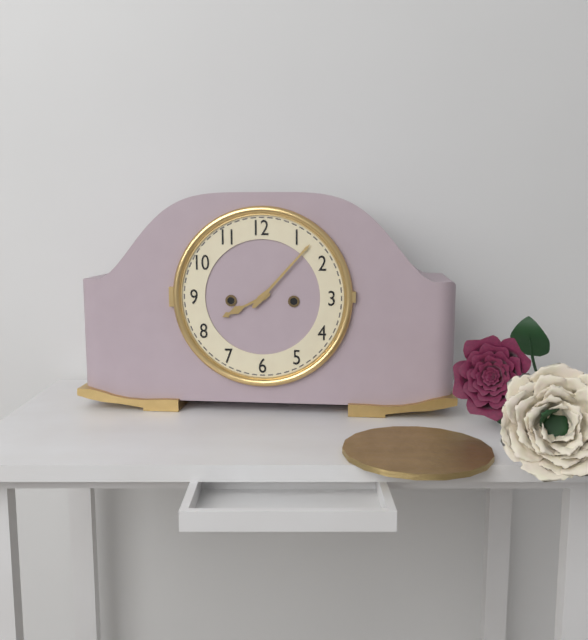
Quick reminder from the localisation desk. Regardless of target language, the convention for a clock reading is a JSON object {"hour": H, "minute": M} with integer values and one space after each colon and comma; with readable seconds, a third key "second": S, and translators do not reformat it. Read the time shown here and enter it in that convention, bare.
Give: {"hour": 8, "minute": 7}
